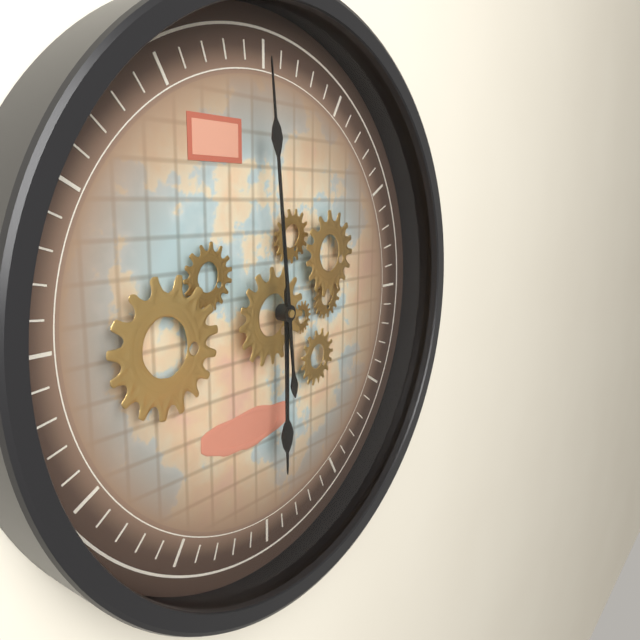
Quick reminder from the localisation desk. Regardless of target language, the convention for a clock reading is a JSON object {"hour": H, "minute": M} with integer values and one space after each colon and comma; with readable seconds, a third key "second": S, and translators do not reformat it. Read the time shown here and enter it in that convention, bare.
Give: {"hour": 5, "minute": 59}
